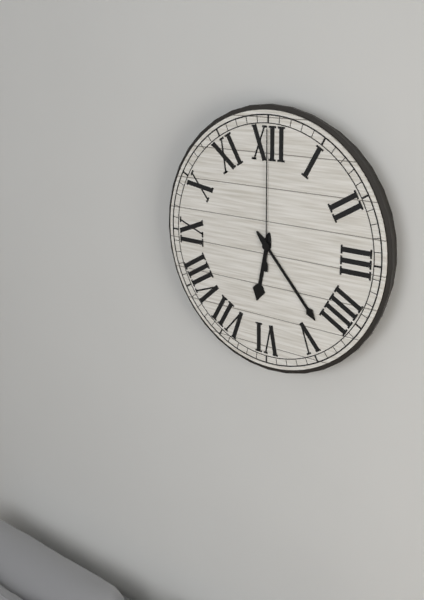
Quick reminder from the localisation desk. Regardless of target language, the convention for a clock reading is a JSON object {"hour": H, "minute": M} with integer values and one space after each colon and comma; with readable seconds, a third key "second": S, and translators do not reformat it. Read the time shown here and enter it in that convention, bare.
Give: {"hour": 6, "minute": 23, "second": 0}
